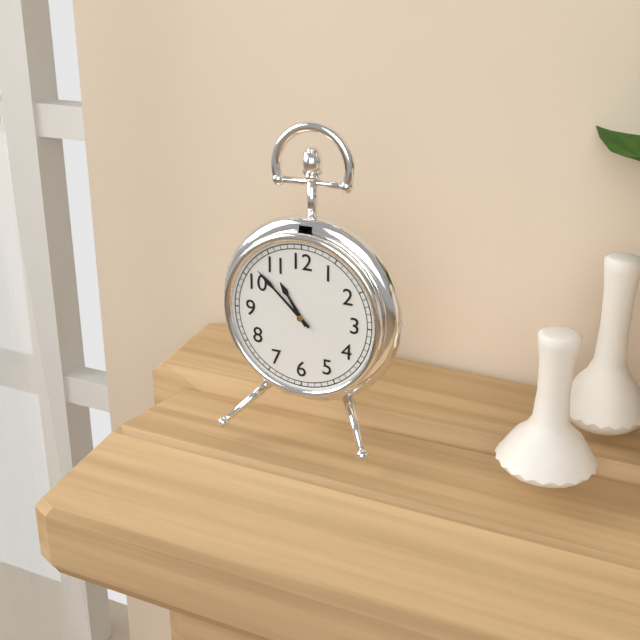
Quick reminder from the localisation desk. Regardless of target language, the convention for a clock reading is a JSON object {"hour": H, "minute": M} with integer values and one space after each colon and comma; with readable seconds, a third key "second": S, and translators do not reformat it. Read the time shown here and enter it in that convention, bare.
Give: {"hour": 10, "minute": 52}
